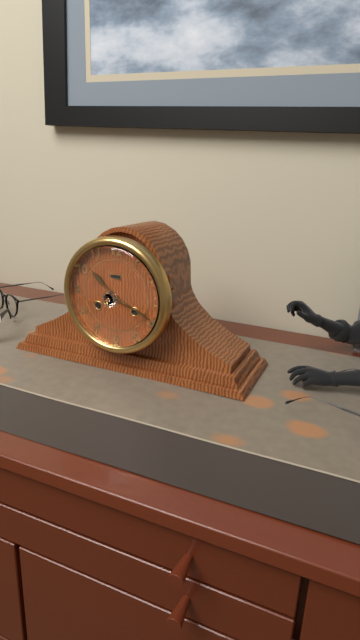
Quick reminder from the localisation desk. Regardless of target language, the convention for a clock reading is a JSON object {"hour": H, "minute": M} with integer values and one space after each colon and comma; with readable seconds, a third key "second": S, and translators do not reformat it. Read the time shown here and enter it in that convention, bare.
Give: {"hour": 10, "minute": 19}
